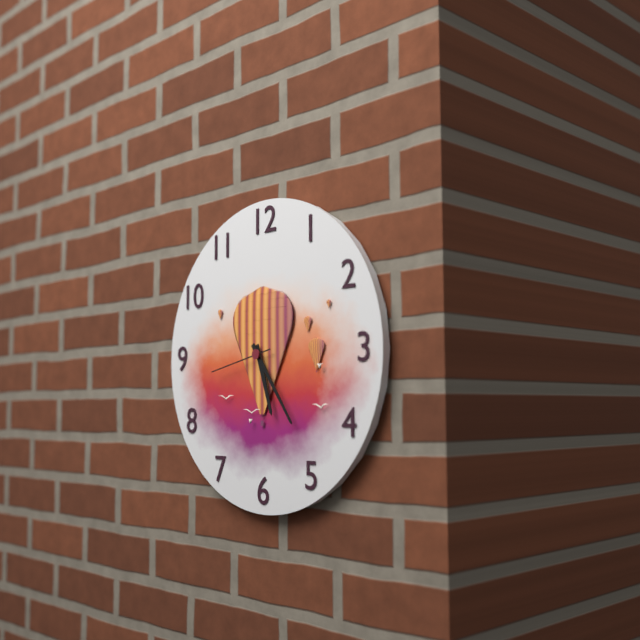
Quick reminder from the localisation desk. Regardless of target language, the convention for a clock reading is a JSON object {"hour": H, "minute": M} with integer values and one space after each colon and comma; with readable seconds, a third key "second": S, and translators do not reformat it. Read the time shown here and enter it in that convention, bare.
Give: {"hour": 5, "minute": 24, "second": 43}
